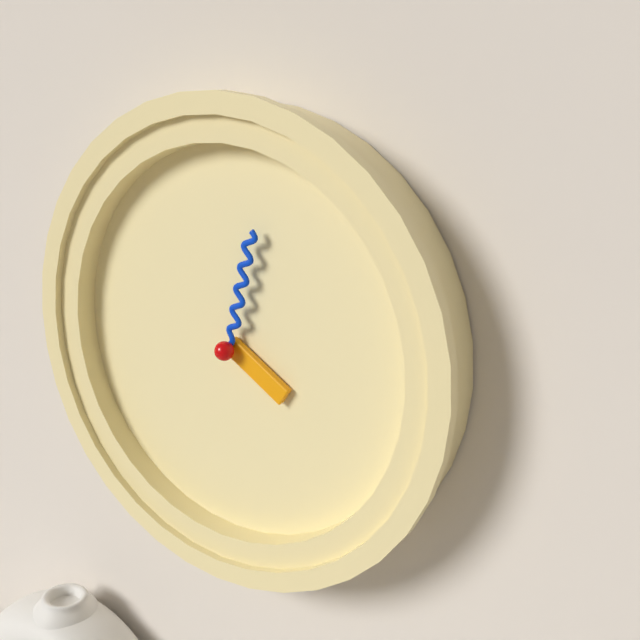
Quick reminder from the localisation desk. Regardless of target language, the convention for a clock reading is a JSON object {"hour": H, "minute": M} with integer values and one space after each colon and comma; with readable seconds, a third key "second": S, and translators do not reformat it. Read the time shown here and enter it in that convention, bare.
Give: {"hour": 4, "minute": 2}
